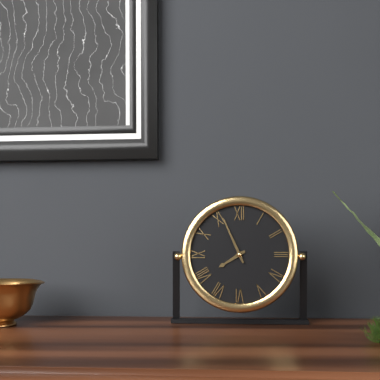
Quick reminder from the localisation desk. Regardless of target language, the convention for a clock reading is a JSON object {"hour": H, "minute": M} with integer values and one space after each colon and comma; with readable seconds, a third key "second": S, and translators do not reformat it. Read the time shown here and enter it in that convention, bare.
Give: {"hour": 7, "minute": 56}
